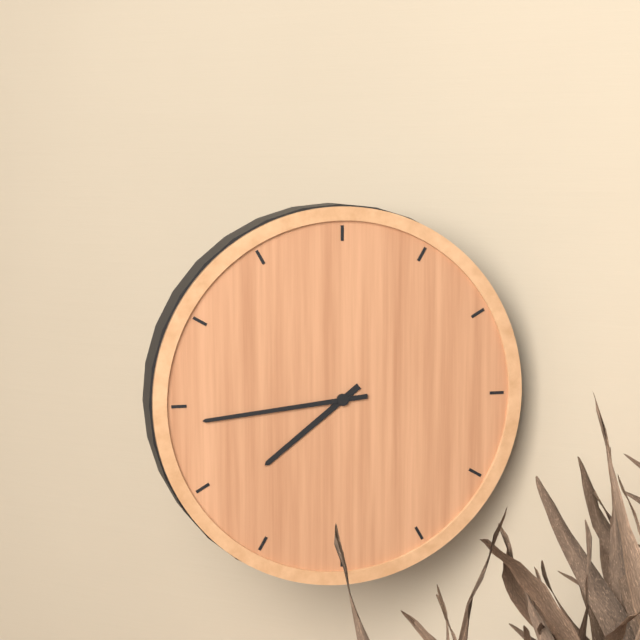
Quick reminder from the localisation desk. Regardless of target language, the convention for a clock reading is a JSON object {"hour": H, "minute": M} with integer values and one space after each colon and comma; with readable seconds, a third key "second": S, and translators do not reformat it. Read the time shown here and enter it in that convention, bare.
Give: {"hour": 7, "minute": 44}
